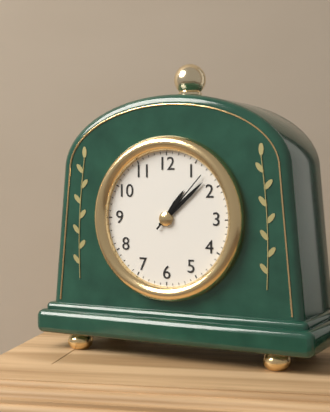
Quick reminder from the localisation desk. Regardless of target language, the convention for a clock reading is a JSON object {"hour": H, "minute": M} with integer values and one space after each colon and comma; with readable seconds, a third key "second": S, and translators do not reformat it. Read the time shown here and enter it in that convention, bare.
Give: {"hour": 1, "minute": 8, "second": 7}
